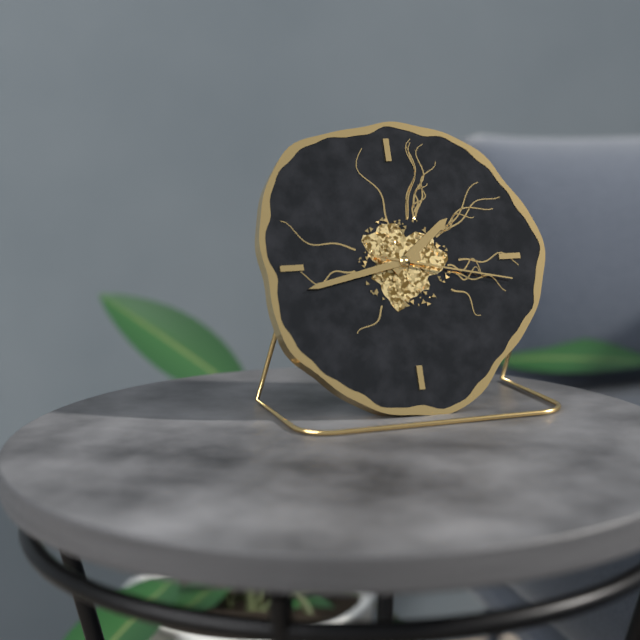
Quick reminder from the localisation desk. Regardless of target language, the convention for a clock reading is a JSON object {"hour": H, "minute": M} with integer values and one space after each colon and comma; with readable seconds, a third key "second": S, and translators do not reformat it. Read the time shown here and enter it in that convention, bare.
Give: {"hour": 1, "minute": 43, "second": 17}
